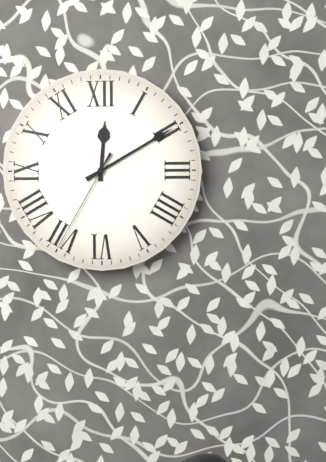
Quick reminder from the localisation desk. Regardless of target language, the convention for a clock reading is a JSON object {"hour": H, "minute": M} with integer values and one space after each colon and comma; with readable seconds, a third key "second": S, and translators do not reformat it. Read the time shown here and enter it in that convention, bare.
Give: {"hour": 12, "minute": 10, "second": 35}
